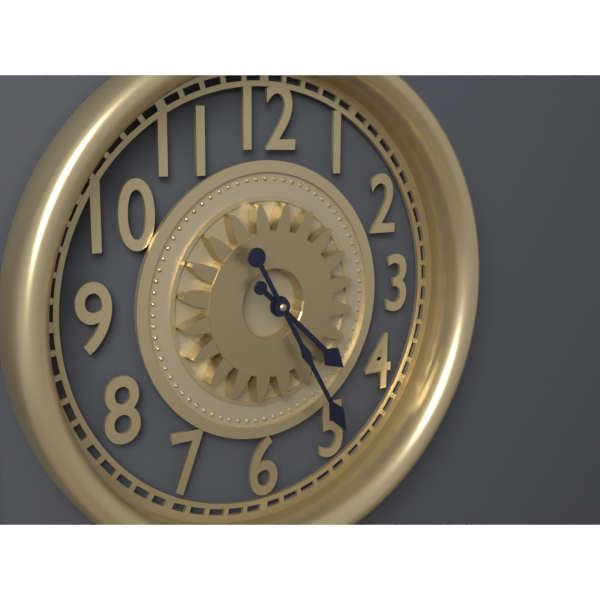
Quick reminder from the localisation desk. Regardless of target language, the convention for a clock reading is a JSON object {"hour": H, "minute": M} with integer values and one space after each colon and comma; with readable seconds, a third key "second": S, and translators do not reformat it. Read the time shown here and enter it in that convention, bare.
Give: {"hour": 4, "minute": 25}
